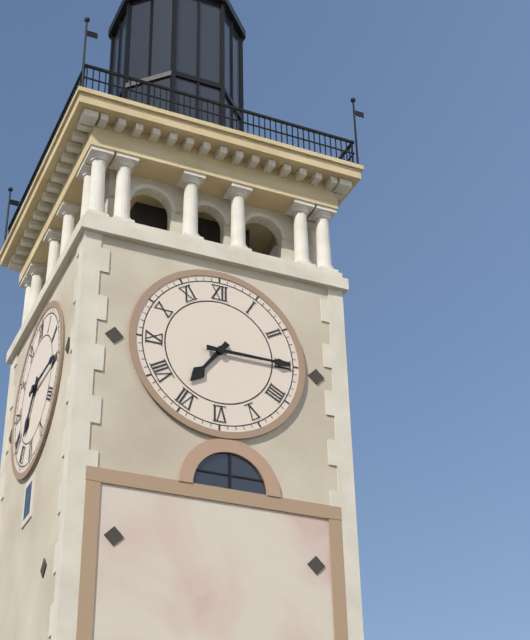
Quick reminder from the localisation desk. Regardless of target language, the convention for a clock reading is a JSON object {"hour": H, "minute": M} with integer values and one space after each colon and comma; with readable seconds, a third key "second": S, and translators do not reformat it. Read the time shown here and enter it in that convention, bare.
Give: {"hour": 7, "minute": 15}
